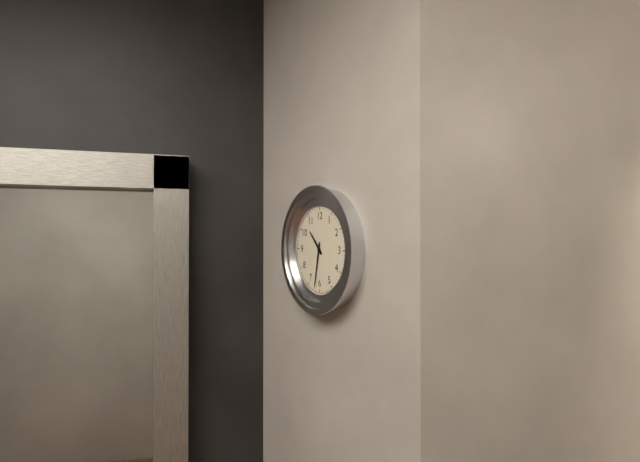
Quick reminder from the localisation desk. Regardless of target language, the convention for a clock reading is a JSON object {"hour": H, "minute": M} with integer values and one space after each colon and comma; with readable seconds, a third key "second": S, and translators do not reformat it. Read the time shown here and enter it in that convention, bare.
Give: {"hour": 10, "minute": 32}
